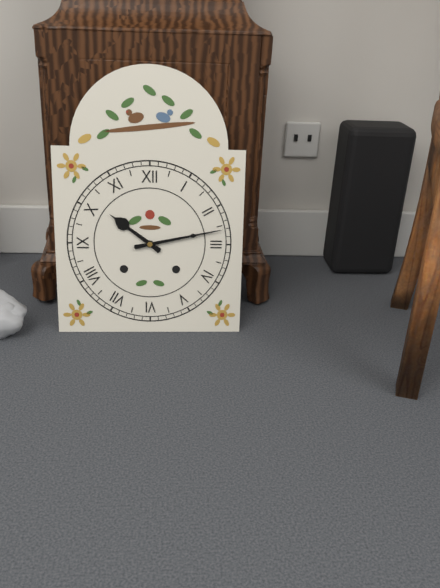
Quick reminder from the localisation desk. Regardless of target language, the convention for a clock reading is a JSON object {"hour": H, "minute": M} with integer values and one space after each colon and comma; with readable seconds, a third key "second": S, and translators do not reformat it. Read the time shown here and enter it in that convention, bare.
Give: {"hour": 10, "minute": 13}
